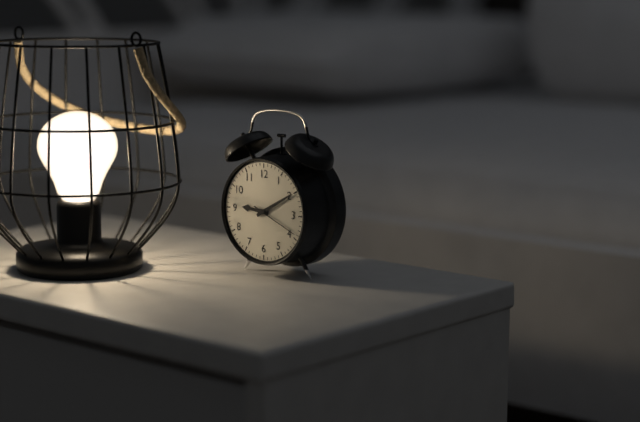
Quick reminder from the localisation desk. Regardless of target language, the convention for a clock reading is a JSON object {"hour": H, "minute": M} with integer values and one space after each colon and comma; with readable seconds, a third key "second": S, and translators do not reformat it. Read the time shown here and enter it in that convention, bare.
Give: {"hour": 9, "minute": 10}
